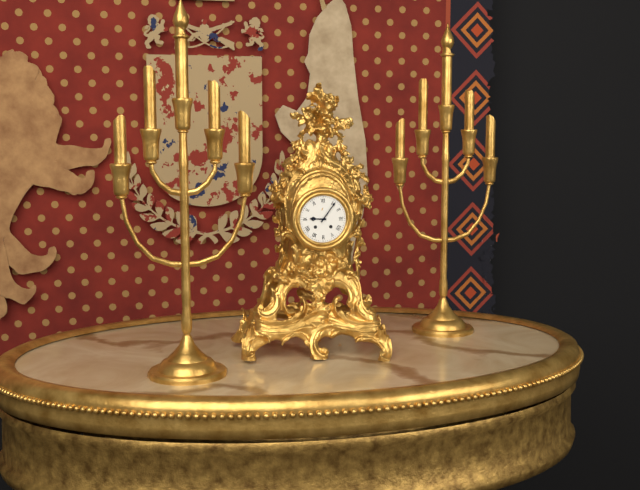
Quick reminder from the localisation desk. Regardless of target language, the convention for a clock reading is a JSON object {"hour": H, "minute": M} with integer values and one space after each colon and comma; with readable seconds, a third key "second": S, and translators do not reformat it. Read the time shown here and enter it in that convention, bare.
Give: {"hour": 9, "minute": 6}
